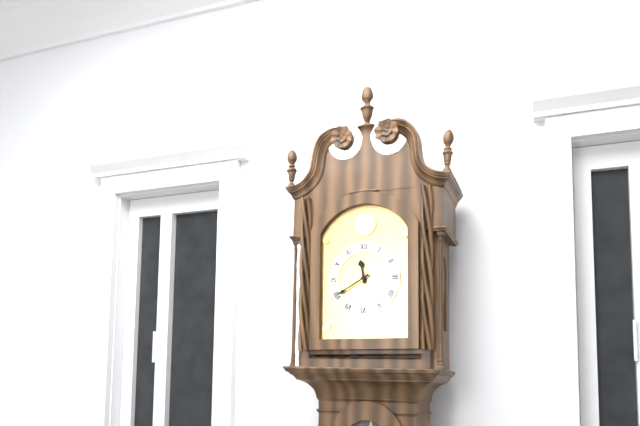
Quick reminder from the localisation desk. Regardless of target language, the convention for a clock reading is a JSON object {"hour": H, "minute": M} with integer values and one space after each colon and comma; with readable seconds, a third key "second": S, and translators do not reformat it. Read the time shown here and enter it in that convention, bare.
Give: {"hour": 11, "minute": 40}
